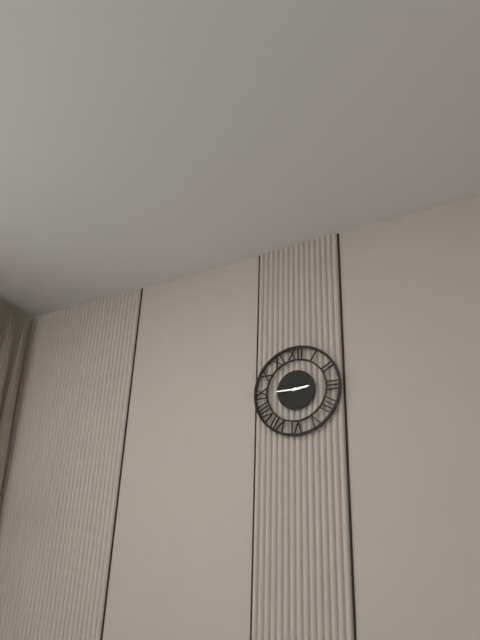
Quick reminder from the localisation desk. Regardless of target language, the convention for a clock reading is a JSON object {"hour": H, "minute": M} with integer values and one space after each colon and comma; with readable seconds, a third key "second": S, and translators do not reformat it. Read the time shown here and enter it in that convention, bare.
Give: {"hour": 2, "minute": 45}
